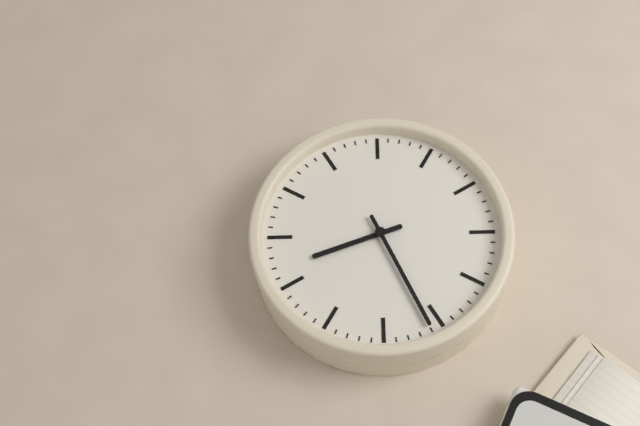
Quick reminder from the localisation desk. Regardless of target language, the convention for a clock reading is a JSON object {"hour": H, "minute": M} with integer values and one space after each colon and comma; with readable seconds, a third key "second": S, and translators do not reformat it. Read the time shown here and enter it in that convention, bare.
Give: {"hour": 7, "minute": 21}
